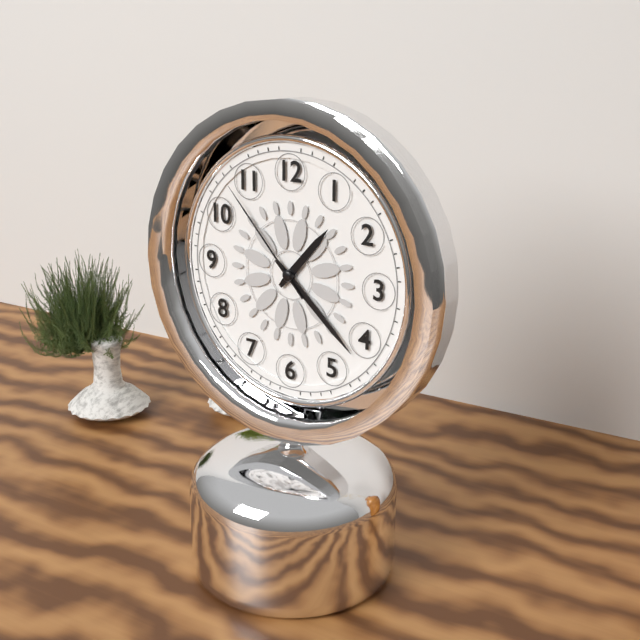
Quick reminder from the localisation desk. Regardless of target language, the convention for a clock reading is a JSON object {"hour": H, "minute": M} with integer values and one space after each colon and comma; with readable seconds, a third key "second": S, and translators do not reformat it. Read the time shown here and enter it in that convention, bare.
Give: {"hour": 1, "minute": 22, "second": 53}
